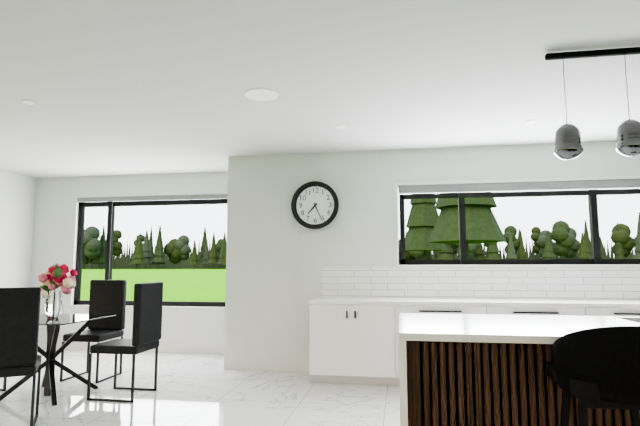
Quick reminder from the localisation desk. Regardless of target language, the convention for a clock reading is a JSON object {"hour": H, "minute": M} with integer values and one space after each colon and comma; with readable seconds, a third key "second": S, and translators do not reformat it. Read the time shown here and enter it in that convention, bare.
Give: {"hour": 7, "minute": 26}
